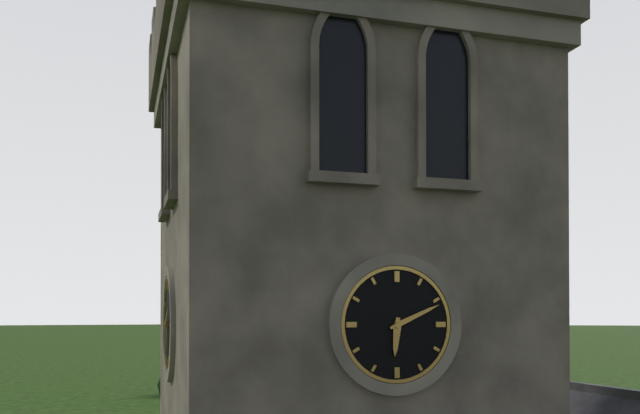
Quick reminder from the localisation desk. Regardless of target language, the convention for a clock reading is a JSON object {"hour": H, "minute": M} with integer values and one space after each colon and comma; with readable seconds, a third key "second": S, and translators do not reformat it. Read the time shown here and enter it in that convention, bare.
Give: {"hour": 6, "minute": 11}
